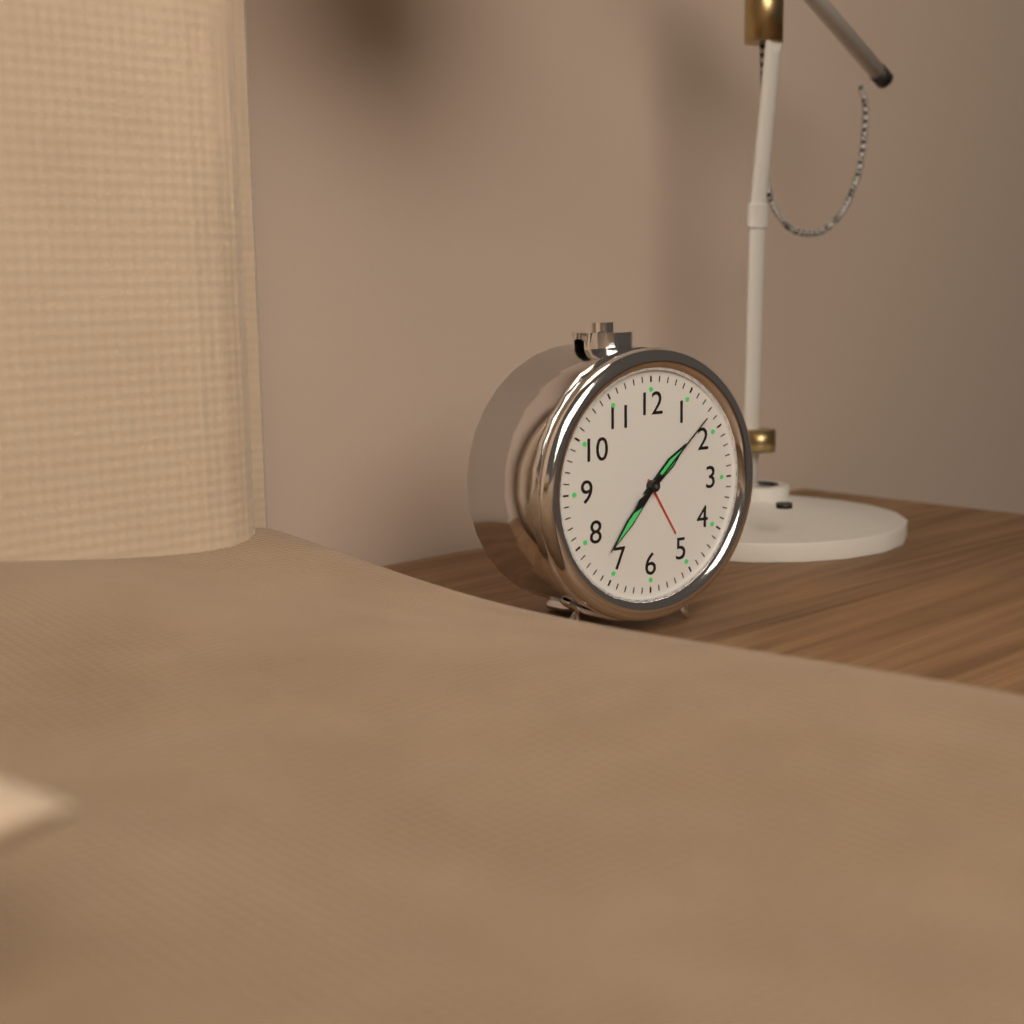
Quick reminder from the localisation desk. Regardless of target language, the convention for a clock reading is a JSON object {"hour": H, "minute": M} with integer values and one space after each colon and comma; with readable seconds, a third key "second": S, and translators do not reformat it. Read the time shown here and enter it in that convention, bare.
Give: {"hour": 1, "minute": 37, "second": 8}
